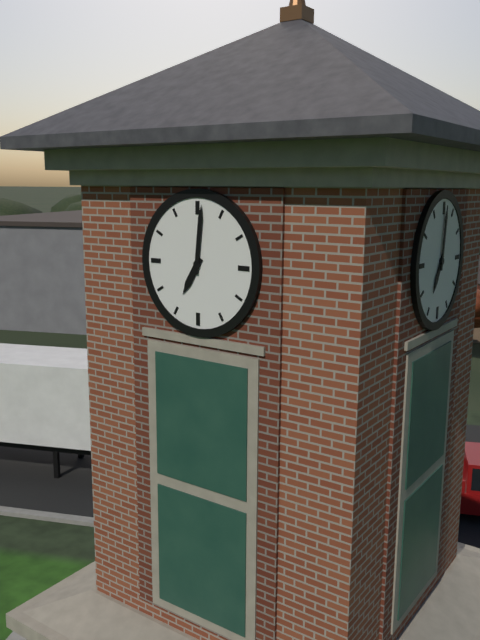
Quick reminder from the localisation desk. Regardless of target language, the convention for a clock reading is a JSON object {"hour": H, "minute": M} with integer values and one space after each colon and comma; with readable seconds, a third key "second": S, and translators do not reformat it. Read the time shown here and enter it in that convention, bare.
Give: {"hour": 7, "minute": 1}
